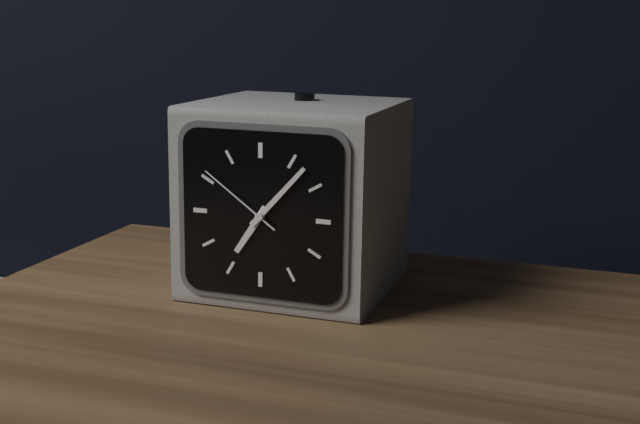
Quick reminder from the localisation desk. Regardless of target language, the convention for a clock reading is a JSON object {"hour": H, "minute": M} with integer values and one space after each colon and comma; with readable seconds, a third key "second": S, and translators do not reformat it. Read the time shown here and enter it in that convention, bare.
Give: {"hour": 7, "minute": 7, "second": 51}
